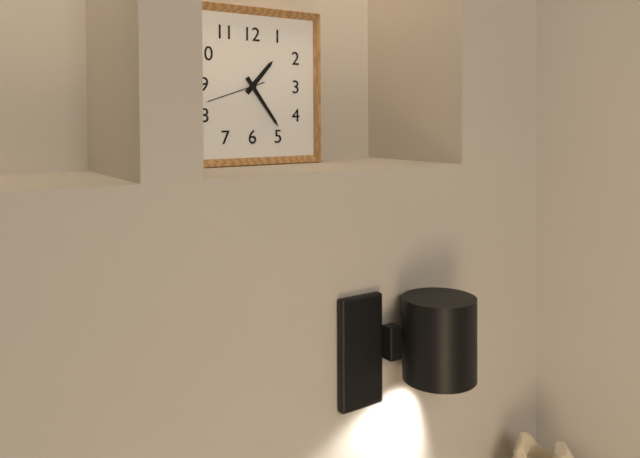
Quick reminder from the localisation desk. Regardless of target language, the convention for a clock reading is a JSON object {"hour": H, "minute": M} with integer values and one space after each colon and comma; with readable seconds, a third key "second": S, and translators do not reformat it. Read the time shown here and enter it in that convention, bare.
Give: {"hour": 1, "minute": 24, "second": 42}
